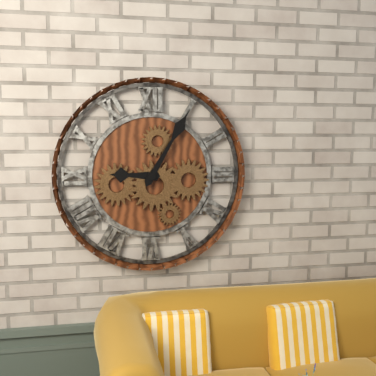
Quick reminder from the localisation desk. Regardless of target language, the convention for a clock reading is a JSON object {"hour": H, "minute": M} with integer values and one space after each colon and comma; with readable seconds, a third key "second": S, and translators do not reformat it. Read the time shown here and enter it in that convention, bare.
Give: {"hour": 9, "minute": 5}
